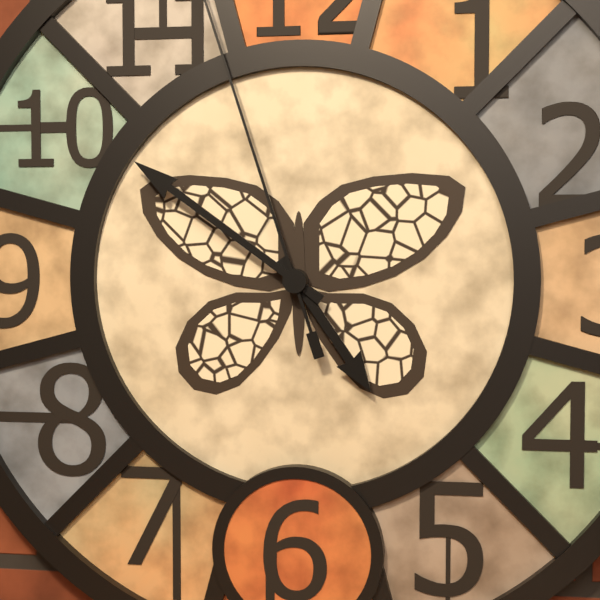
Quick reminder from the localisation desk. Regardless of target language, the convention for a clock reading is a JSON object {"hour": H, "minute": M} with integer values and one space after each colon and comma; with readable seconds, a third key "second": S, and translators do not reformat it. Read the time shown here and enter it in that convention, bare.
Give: {"hour": 4, "minute": 51}
